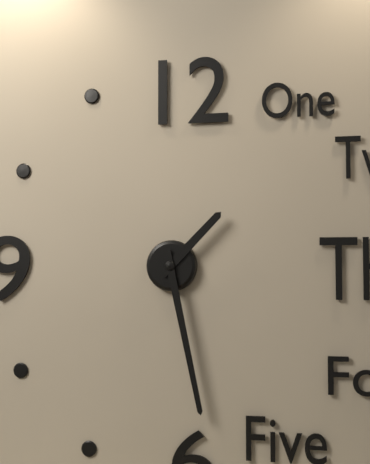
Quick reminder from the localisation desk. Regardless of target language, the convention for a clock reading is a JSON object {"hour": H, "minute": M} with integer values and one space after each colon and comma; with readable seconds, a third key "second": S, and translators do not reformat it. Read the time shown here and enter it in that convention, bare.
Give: {"hour": 1, "minute": 28}
